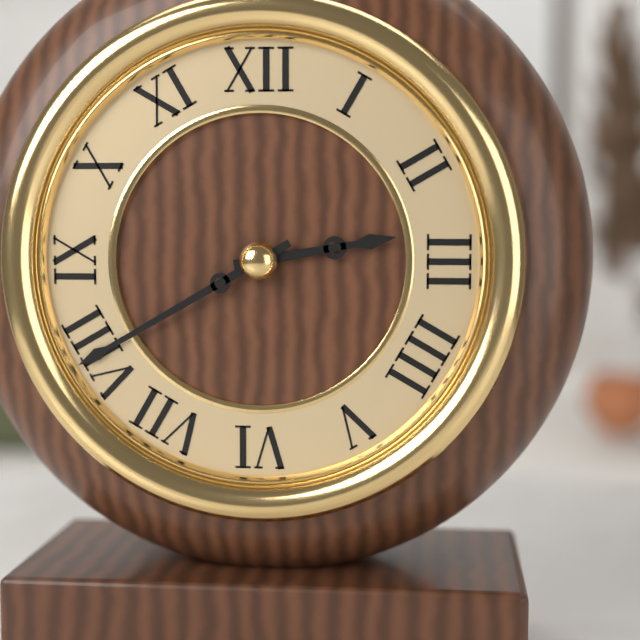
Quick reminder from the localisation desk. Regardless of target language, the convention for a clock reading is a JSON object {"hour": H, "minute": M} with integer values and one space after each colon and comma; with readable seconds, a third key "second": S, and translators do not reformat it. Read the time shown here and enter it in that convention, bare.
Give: {"hour": 2, "minute": 40}
